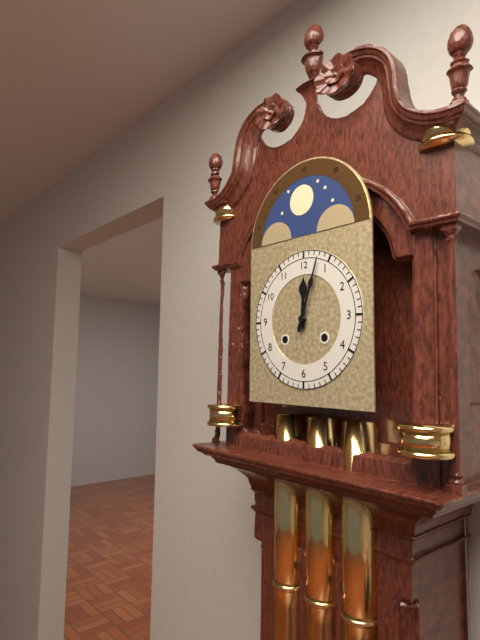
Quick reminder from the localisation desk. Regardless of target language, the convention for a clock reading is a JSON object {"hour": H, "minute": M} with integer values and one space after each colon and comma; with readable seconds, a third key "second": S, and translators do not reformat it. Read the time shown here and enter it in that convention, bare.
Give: {"hour": 12, "minute": 3}
